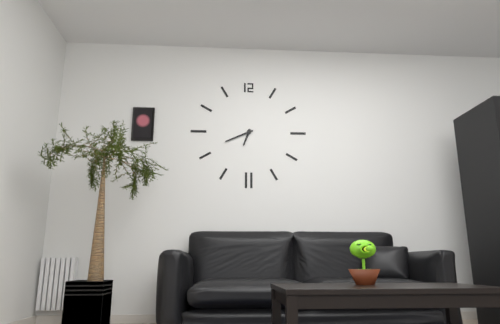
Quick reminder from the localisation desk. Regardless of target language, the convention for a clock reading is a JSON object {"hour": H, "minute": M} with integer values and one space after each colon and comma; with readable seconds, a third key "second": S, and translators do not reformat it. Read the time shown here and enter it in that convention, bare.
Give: {"hour": 6, "minute": 41}
